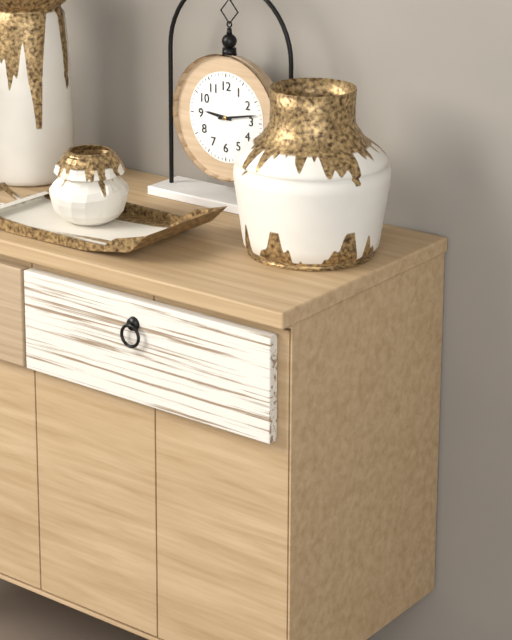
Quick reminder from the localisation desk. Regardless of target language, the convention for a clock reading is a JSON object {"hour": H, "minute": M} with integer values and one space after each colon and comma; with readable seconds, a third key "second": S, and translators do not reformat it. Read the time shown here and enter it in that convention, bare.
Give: {"hour": 9, "minute": 13}
